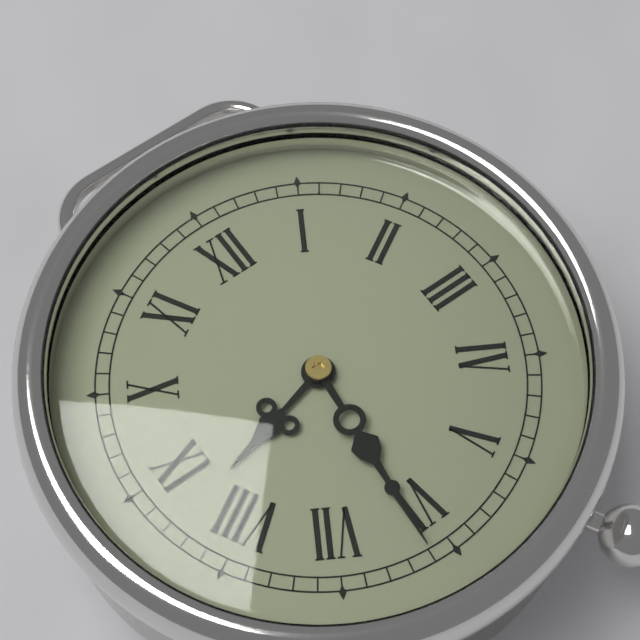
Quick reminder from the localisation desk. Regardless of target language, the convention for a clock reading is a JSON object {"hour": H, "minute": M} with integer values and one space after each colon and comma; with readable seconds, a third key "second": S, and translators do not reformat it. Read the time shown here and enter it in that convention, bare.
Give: {"hour": 8, "minute": 31}
